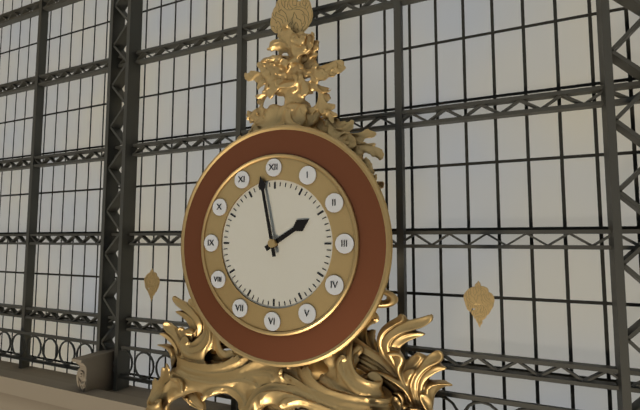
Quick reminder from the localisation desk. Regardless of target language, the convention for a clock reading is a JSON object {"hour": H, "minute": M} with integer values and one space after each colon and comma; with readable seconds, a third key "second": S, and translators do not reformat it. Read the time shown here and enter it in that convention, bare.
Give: {"hour": 1, "minute": 58}
